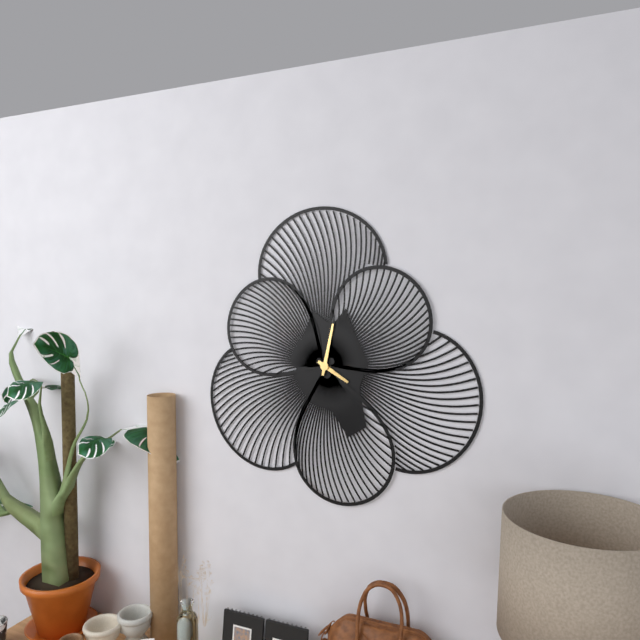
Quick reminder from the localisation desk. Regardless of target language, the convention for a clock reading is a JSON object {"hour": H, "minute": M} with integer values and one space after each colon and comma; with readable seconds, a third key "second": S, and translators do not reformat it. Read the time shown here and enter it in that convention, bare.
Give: {"hour": 4, "minute": 2}
